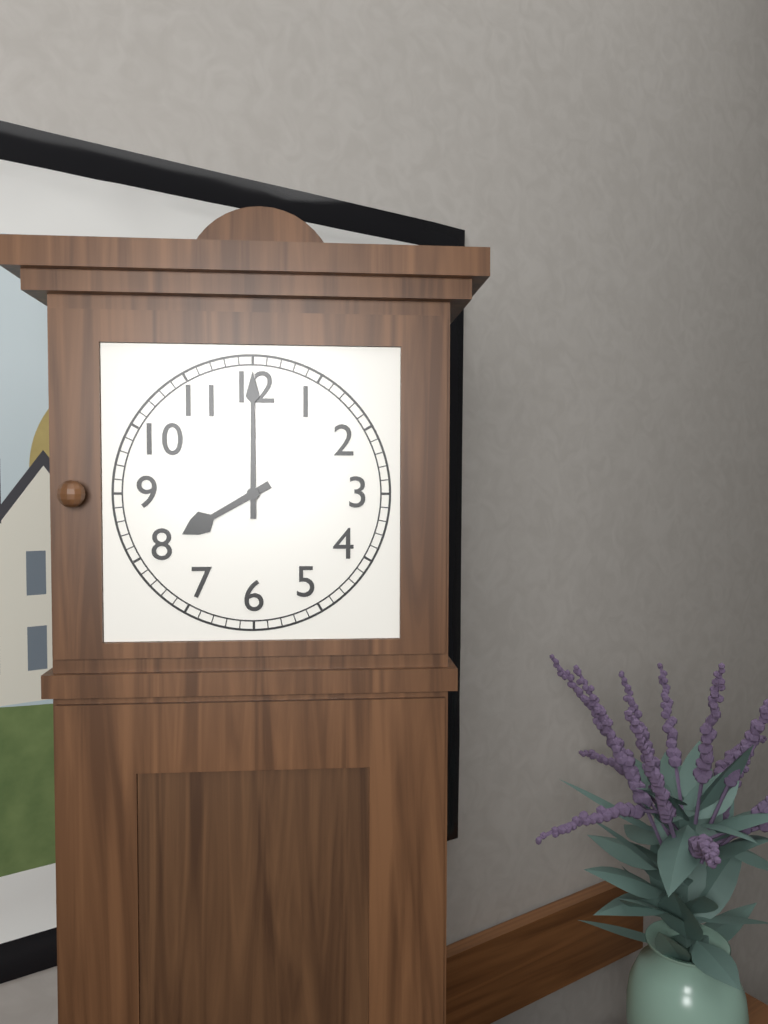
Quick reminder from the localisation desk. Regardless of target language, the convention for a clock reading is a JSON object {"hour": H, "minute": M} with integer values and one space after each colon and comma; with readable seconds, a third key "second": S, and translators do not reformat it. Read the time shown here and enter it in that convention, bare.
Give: {"hour": 8, "minute": 0}
